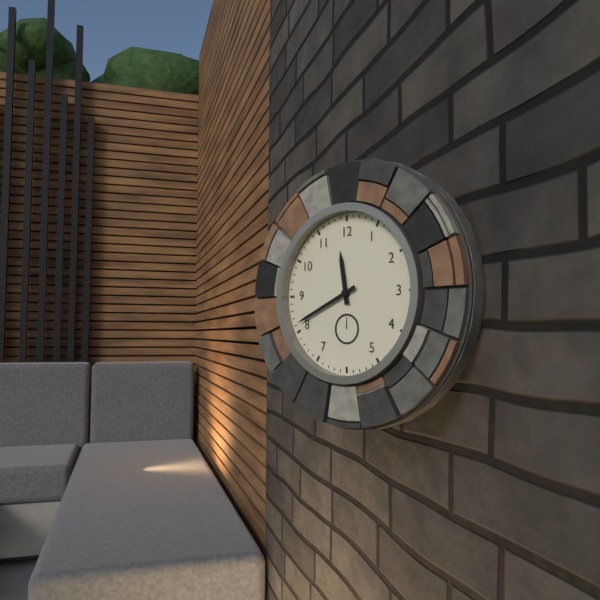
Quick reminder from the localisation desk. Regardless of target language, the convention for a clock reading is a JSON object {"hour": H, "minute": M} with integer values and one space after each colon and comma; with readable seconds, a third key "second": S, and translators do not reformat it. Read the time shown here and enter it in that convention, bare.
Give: {"hour": 11, "minute": 41}
